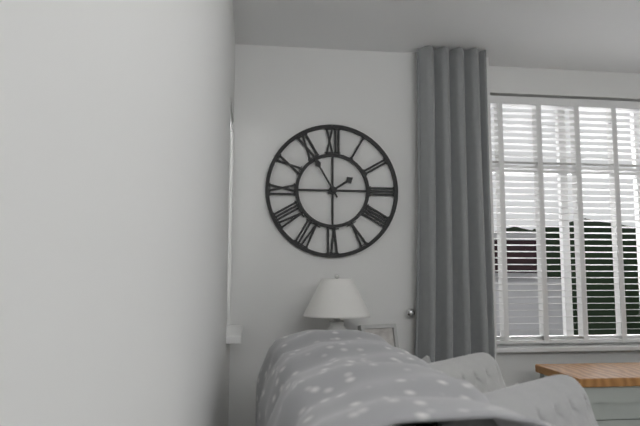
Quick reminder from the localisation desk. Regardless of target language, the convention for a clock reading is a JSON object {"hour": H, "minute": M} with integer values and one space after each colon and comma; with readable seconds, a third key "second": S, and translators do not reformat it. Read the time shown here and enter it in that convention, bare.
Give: {"hour": 1, "minute": 55}
